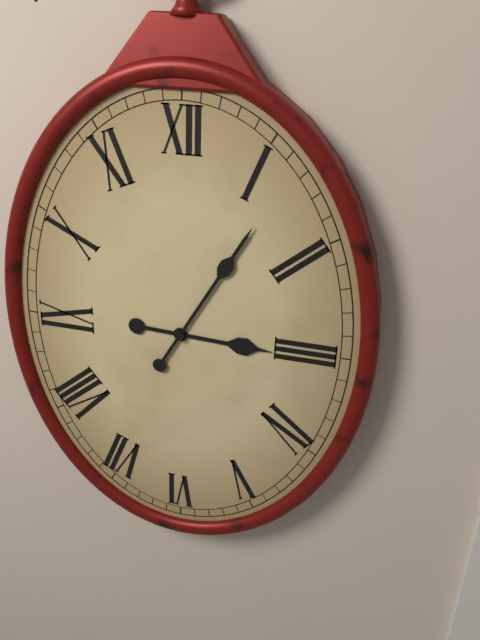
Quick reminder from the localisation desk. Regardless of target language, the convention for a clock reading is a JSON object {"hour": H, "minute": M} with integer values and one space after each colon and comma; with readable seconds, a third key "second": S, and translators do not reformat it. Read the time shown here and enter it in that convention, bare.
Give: {"hour": 3, "minute": 5}
